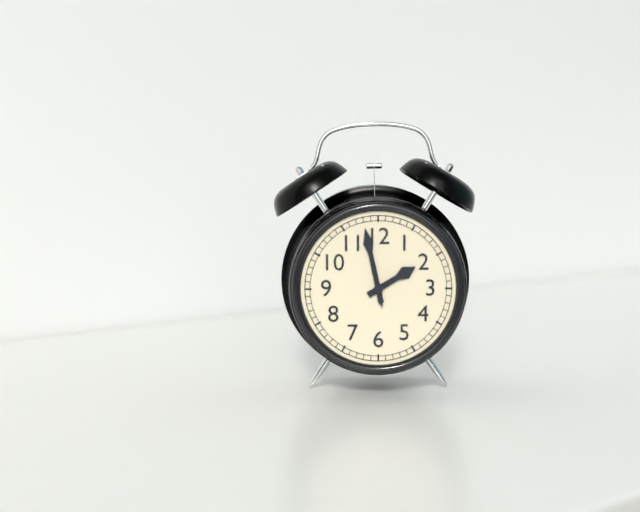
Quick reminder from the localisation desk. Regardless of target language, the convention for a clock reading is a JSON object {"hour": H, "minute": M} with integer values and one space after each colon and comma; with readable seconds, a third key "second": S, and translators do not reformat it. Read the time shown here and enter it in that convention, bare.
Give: {"hour": 1, "minute": 58, "second": 58}
